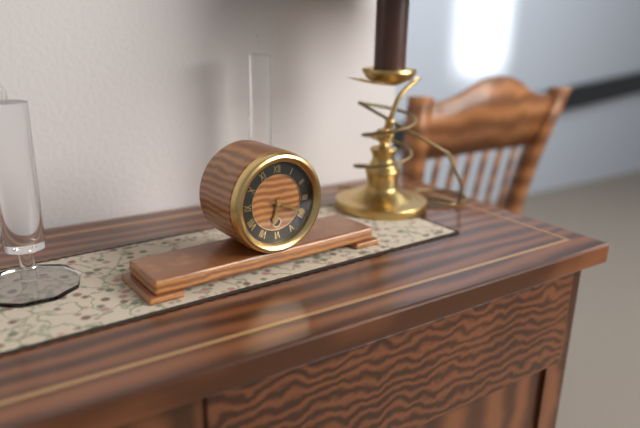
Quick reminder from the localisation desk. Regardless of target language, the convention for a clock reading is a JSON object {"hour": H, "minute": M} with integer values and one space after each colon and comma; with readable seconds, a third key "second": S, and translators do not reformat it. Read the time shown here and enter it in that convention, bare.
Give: {"hour": 6, "minute": 19}
